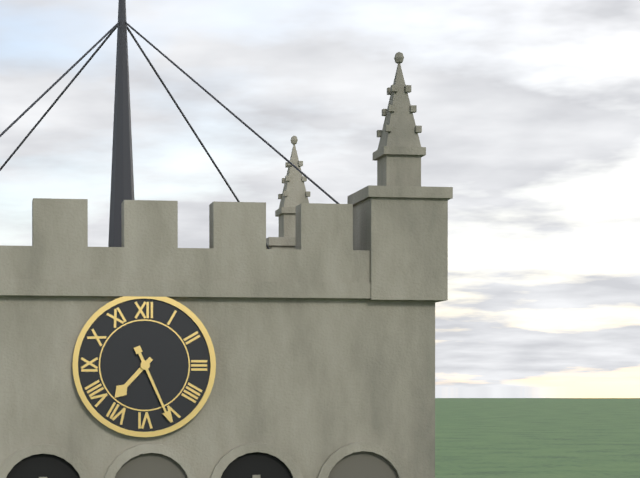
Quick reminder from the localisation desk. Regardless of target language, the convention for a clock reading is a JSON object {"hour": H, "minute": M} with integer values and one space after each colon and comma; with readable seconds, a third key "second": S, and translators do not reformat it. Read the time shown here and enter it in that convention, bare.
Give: {"hour": 7, "minute": 26}
